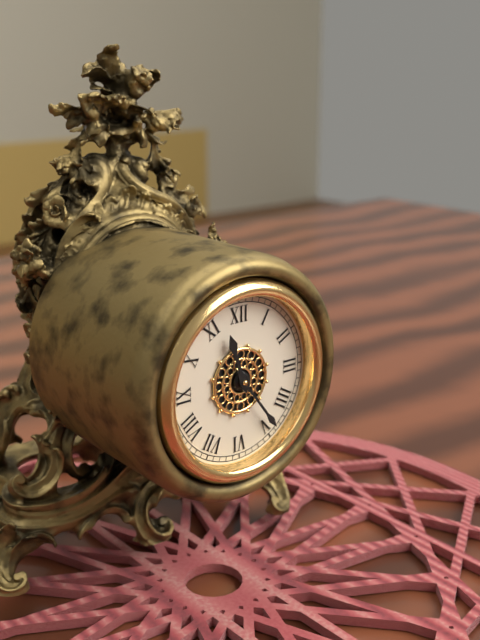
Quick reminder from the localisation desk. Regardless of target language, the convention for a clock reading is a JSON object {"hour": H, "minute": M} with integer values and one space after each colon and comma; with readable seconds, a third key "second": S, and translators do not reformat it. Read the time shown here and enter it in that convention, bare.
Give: {"hour": 11, "minute": 24}
